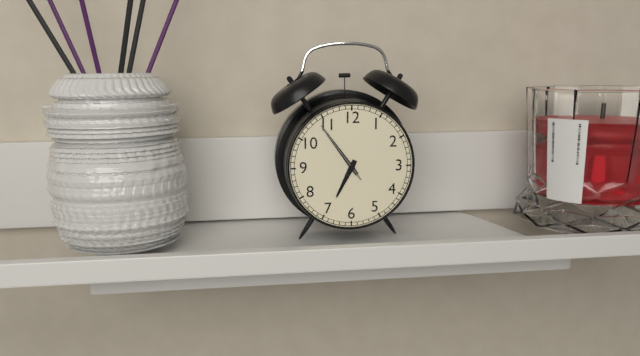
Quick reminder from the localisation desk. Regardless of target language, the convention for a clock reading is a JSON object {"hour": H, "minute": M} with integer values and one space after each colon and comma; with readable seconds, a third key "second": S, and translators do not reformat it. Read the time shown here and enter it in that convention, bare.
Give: {"hour": 6, "minute": 54, "second": 54}
